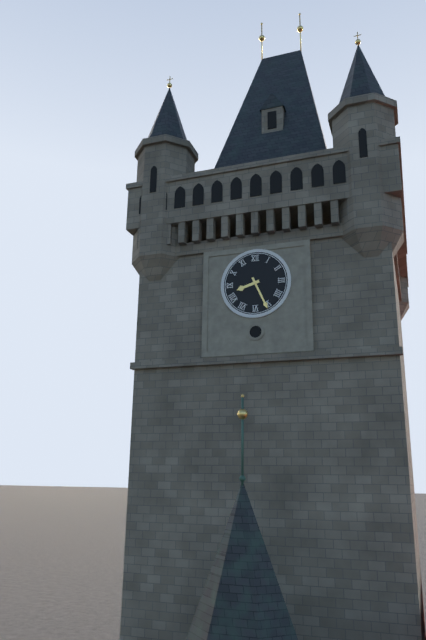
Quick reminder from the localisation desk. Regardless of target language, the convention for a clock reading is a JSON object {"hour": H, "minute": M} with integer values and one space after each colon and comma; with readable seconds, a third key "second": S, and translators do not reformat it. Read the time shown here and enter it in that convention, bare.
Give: {"hour": 8, "minute": 26}
